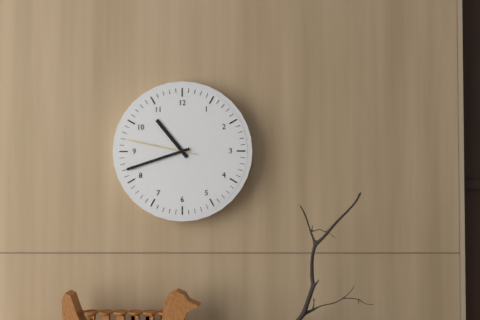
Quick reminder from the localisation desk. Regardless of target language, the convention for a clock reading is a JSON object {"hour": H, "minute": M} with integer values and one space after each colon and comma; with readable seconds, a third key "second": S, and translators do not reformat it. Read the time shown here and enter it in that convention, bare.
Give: {"hour": 10, "minute": 42, "second": 47}
